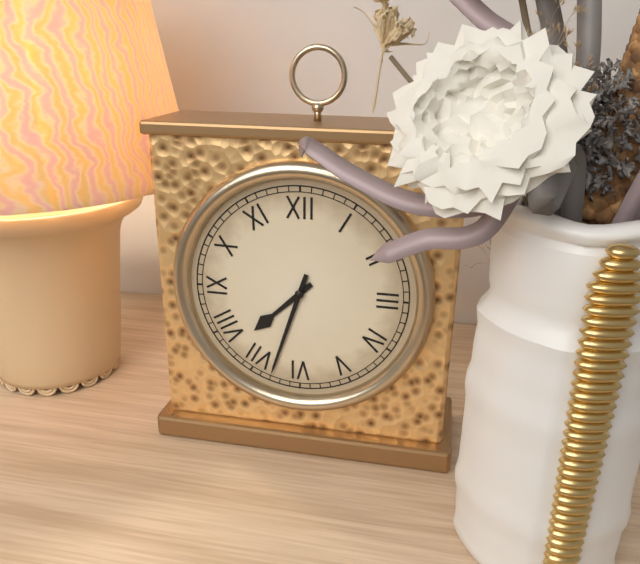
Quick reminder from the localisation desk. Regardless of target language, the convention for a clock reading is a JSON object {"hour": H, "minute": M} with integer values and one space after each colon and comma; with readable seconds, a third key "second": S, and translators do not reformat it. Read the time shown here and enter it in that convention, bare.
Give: {"hour": 7, "minute": 33}
